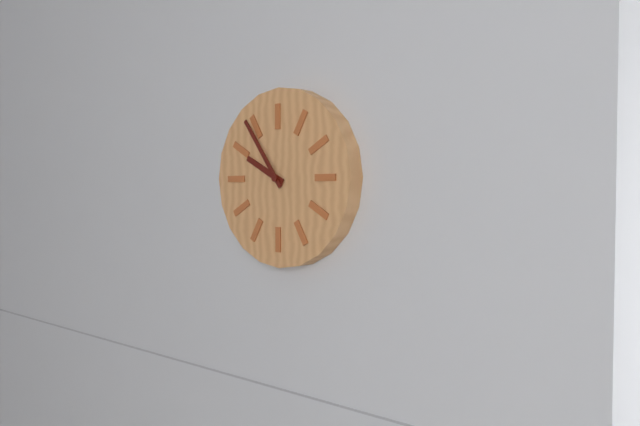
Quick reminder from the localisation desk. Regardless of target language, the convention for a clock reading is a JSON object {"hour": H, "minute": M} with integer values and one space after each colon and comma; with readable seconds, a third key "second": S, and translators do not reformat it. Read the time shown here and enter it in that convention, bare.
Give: {"hour": 9, "minute": 54}
